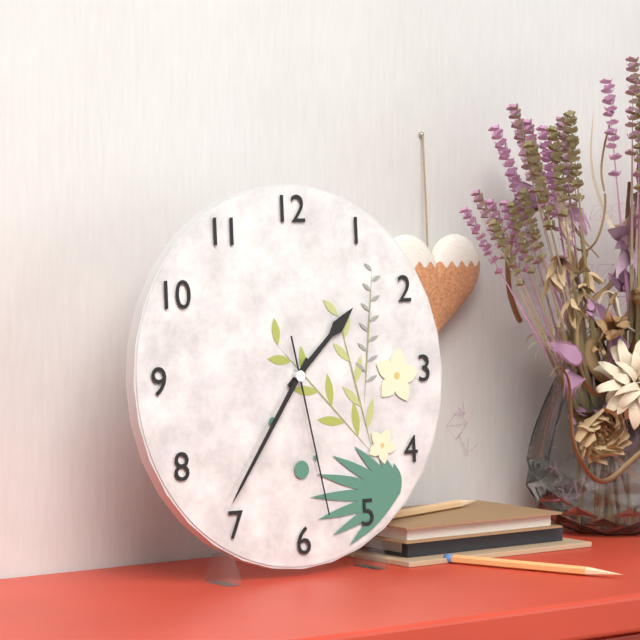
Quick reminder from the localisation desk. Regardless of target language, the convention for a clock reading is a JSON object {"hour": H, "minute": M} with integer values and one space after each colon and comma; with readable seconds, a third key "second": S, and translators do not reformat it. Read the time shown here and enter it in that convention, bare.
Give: {"hour": 1, "minute": 36, "second": 28}
